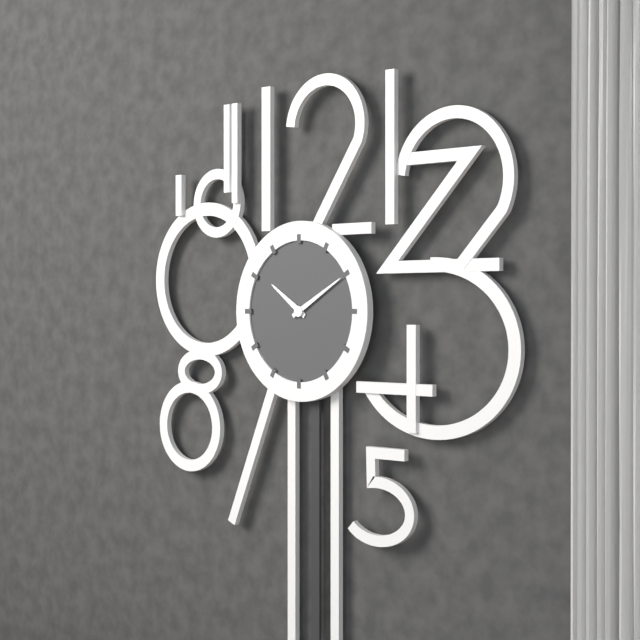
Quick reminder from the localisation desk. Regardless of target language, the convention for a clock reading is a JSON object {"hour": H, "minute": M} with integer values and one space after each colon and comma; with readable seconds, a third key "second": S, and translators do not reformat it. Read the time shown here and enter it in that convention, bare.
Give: {"hour": 10, "minute": 10}
